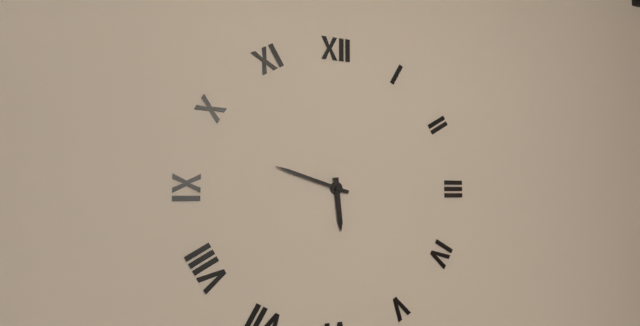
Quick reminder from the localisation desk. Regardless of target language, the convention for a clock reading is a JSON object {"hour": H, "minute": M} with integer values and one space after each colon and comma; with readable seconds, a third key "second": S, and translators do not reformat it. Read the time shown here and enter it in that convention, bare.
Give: {"hour": 5, "minute": 48}
